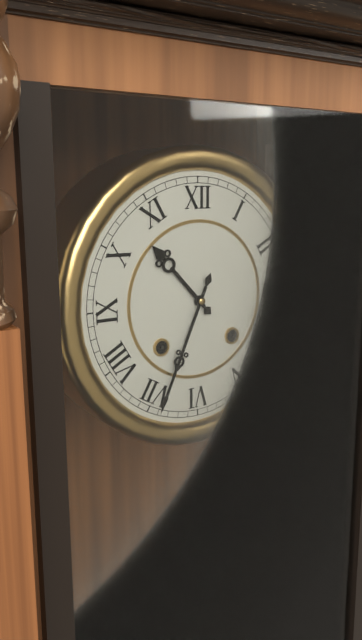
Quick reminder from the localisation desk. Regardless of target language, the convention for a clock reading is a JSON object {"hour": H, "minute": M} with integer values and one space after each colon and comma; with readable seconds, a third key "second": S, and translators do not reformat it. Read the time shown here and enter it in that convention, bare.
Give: {"hour": 10, "minute": 34}
